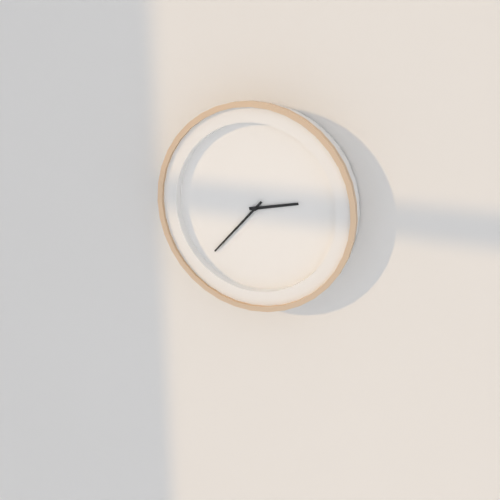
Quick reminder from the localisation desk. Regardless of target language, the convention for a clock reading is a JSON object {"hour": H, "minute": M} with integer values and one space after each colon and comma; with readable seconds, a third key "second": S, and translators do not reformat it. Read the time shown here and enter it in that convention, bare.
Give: {"hour": 2, "minute": 37}
